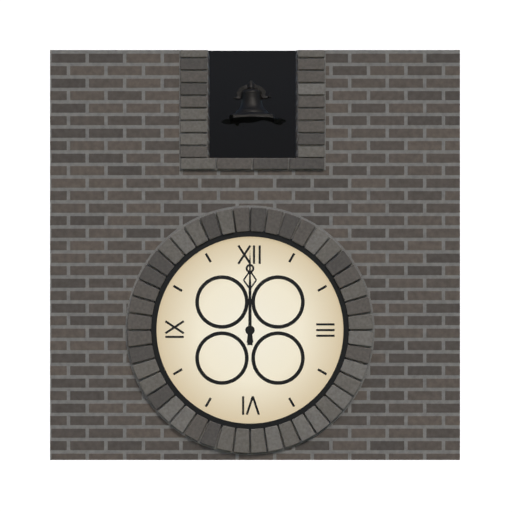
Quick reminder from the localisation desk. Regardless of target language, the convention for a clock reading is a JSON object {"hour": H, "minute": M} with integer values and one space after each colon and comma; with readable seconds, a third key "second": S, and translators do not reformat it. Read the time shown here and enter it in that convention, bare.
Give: {"hour": 12, "minute": 0}
